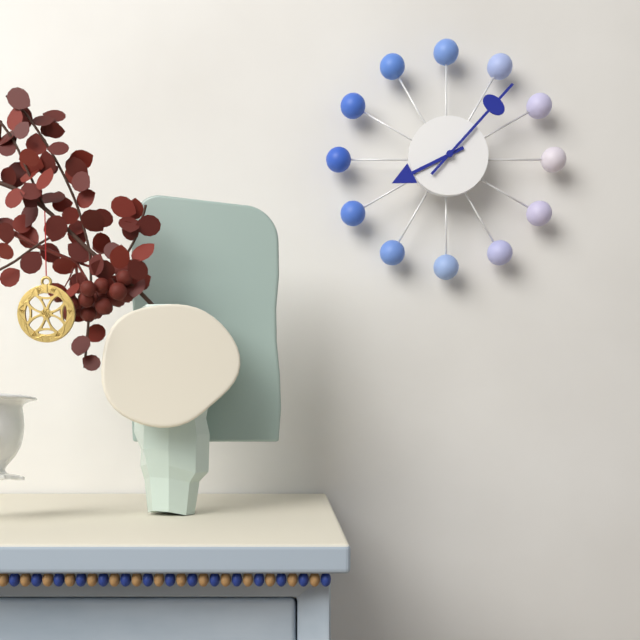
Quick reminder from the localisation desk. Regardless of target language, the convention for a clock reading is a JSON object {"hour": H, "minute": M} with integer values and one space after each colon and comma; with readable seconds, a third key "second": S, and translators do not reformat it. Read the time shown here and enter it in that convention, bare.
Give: {"hour": 8, "minute": 7}
